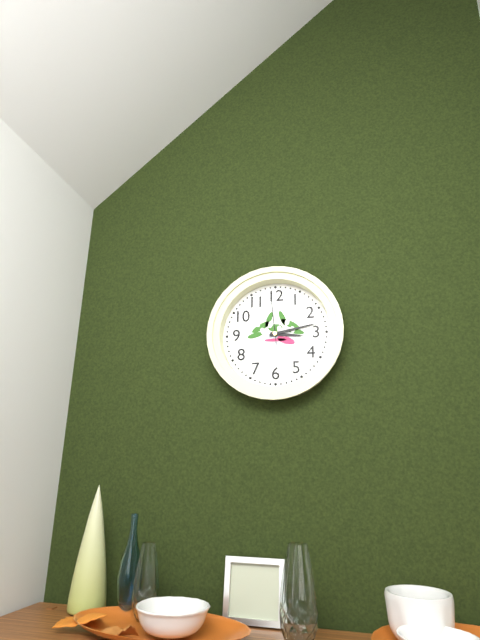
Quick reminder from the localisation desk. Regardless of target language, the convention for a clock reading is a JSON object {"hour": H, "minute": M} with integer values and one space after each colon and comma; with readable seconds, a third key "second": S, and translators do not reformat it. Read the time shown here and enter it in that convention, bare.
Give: {"hour": 3, "minute": 13, "second": 59}
